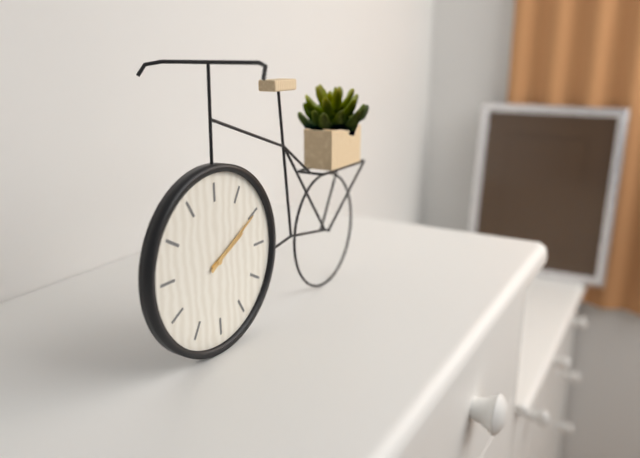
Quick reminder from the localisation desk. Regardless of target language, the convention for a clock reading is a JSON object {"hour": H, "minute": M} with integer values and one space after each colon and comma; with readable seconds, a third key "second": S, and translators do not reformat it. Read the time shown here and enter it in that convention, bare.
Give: {"hour": 2, "minute": 10}
